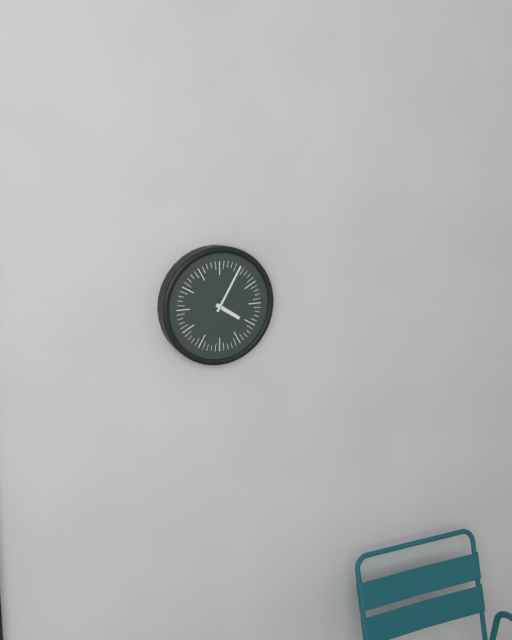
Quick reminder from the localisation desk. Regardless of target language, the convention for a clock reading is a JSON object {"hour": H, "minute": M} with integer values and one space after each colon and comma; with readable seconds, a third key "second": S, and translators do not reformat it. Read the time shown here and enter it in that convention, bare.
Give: {"hour": 4, "minute": 5}
